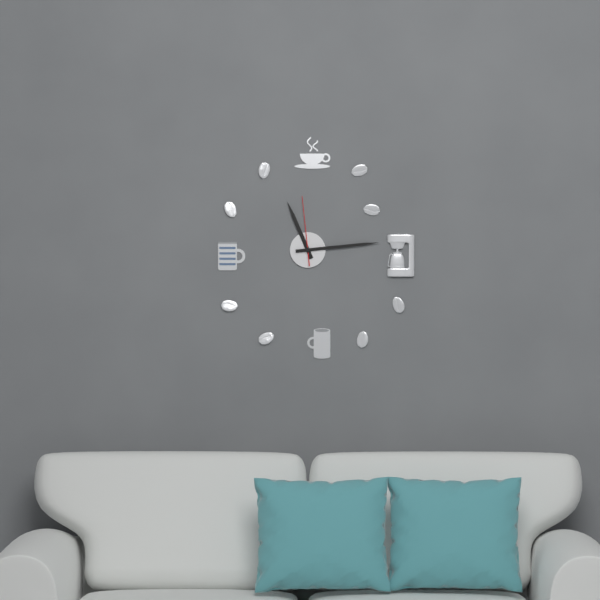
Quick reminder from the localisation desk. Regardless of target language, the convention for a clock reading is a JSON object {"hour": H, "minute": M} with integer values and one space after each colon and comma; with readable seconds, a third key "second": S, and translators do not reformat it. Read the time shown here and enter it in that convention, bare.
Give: {"hour": 11, "minute": 14, "second": 59}
